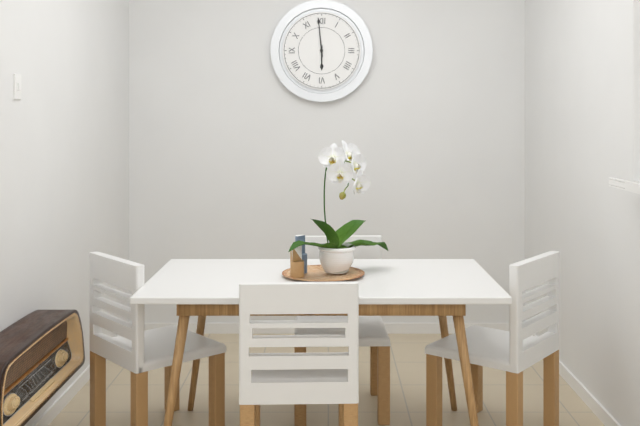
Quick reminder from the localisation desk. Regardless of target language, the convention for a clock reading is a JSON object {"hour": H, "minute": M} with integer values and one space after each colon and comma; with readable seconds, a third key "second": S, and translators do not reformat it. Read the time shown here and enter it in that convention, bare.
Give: {"hour": 5, "minute": 59}
